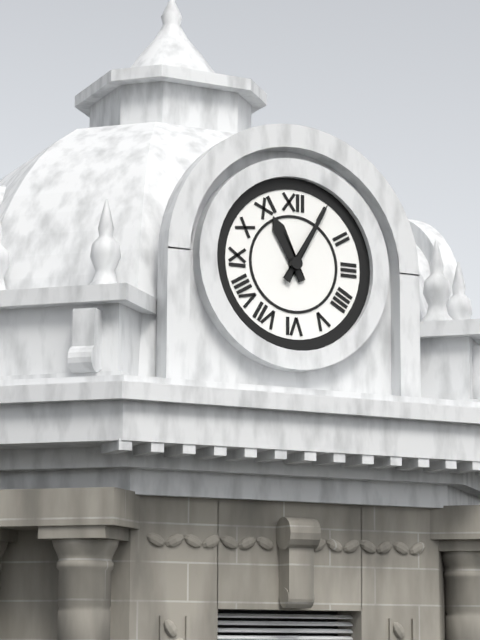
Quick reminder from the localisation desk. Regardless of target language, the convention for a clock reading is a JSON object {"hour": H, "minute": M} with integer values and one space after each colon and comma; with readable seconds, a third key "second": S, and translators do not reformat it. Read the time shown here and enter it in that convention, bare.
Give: {"hour": 11, "minute": 5}
